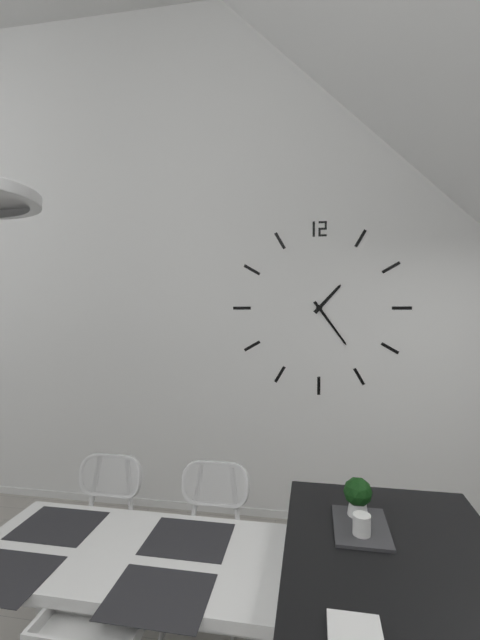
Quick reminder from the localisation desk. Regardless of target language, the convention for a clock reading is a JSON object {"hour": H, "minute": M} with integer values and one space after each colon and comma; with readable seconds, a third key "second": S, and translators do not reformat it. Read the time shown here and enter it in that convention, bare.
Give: {"hour": 1, "minute": 24}
